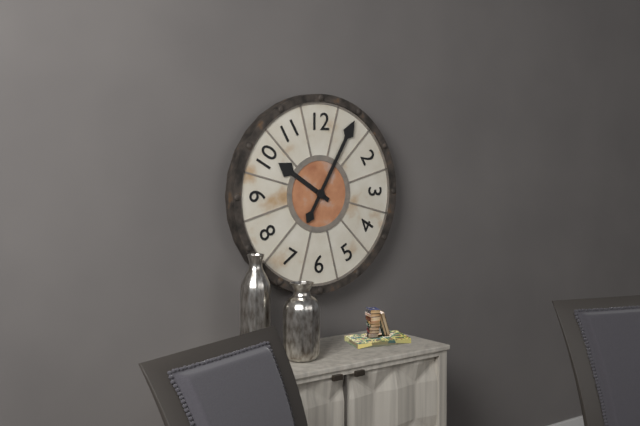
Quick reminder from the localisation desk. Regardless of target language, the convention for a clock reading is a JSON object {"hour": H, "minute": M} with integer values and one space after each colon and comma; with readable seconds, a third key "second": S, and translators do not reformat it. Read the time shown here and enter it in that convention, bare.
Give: {"hour": 10, "minute": 5}
